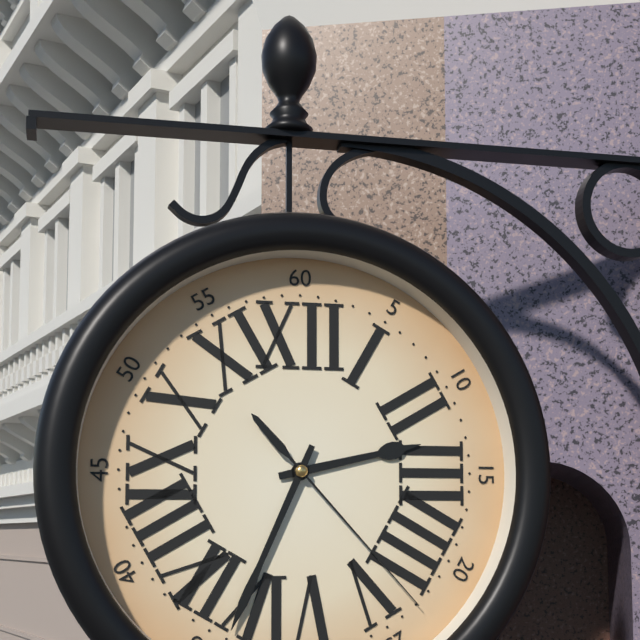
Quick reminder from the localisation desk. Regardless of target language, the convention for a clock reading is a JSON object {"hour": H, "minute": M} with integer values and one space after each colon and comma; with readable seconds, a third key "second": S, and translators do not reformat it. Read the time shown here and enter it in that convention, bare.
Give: {"hour": 2, "minute": 34, "second": 23}
